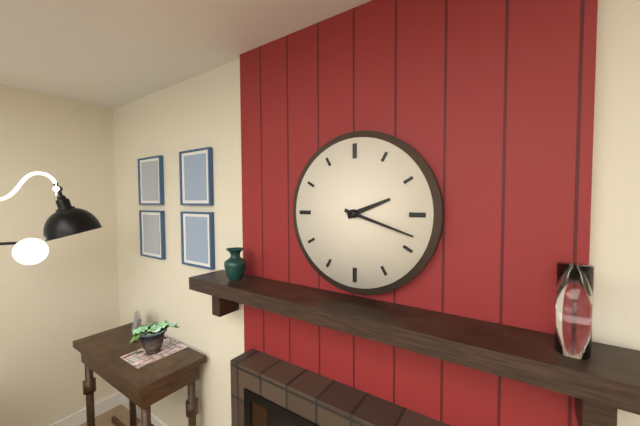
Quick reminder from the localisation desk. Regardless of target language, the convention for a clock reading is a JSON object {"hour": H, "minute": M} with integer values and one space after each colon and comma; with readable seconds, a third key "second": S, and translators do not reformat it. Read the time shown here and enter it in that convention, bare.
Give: {"hour": 2, "minute": 18}
